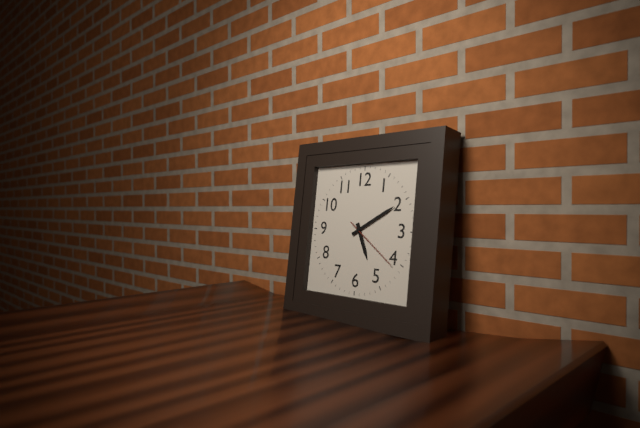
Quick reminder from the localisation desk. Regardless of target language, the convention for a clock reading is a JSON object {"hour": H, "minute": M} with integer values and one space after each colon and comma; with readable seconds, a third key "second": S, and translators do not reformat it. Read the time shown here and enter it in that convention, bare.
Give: {"hour": 5, "minute": 10, "second": 21}
